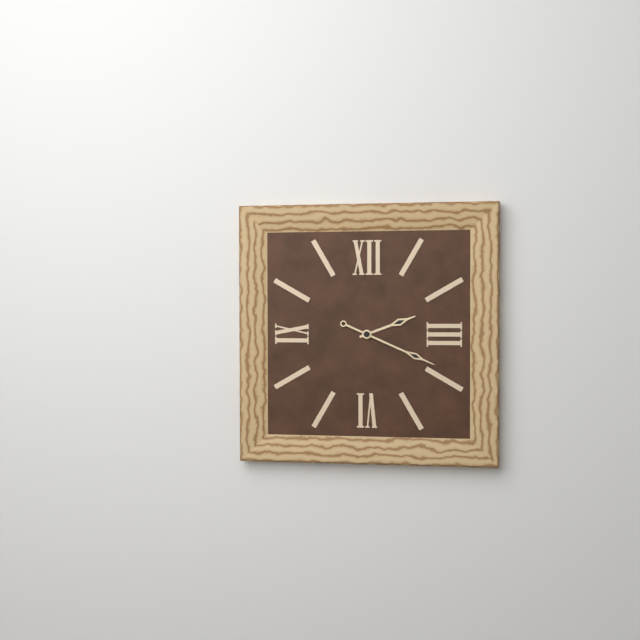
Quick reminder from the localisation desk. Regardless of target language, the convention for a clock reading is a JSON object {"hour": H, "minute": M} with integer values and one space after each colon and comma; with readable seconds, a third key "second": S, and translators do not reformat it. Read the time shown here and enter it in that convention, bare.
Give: {"hour": 2, "minute": 19}
